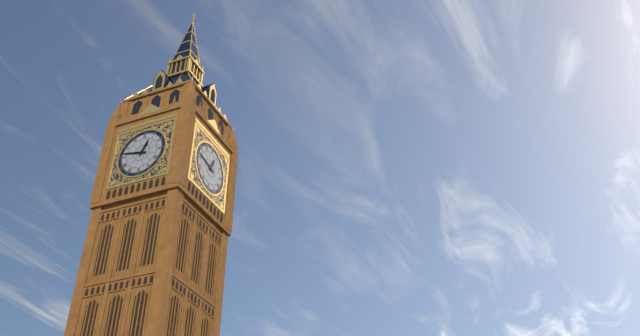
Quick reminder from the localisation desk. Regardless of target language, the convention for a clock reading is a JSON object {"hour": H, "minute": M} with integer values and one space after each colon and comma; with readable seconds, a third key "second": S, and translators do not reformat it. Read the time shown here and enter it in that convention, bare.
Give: {"hour": 12, "minute": 47}
